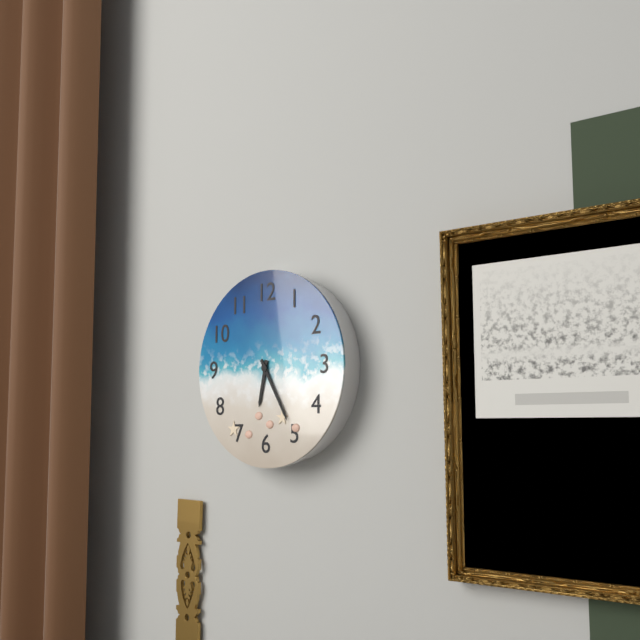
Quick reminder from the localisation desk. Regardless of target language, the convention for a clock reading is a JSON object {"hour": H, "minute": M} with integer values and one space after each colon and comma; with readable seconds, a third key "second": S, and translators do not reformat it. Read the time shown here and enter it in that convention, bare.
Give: {"hour": 6, "minute": 25}
